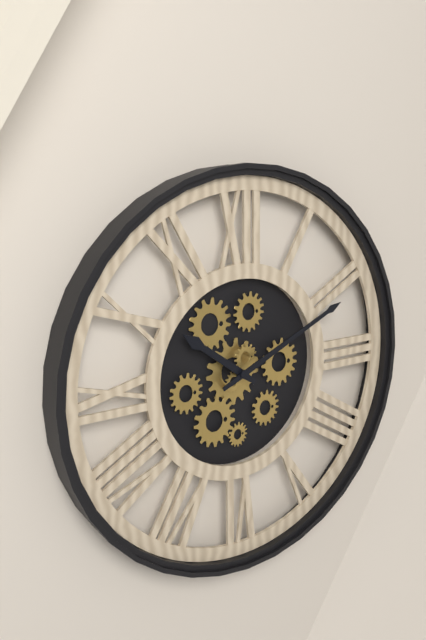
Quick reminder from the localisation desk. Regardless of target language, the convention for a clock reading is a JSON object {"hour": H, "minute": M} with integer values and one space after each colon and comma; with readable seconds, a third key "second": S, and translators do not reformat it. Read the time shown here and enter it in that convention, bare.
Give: {"hour": 10, "minute": 11}
